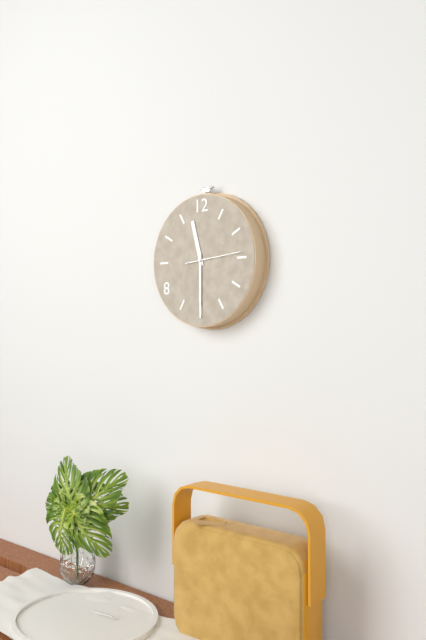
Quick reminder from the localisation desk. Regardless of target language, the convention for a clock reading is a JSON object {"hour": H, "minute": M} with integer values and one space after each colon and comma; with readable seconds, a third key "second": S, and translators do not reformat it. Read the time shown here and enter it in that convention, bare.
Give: {"hour": 11, "minute": 30, "second": 14}
